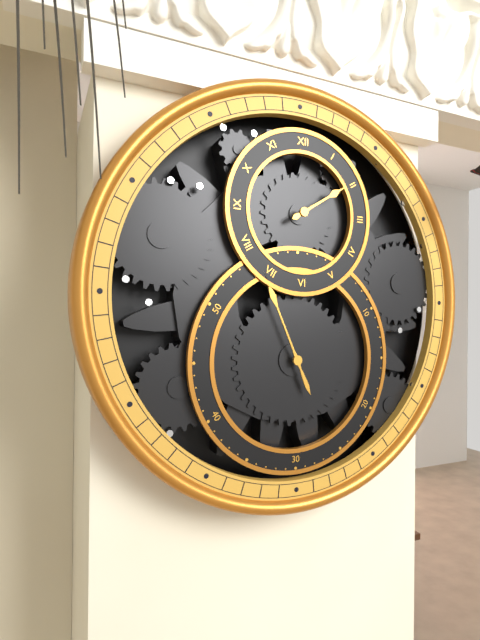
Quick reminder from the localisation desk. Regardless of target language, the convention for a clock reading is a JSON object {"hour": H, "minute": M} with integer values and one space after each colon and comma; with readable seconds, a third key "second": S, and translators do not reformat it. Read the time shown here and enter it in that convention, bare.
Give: {"hour": 1, "minute": 56}
